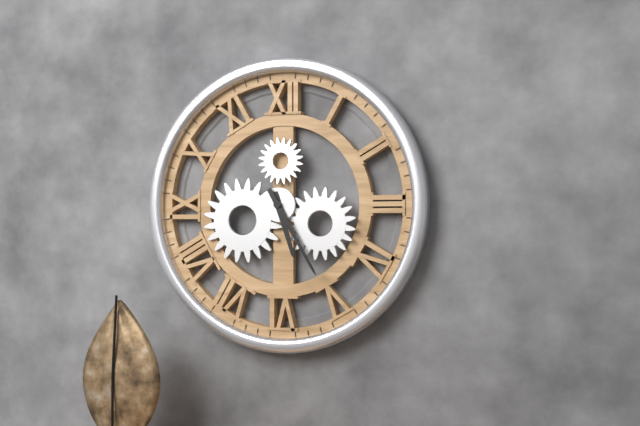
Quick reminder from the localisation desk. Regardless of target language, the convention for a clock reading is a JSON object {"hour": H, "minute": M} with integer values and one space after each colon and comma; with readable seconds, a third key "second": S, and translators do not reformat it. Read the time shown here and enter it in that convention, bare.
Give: {"hour": 5, "minute": 25}
